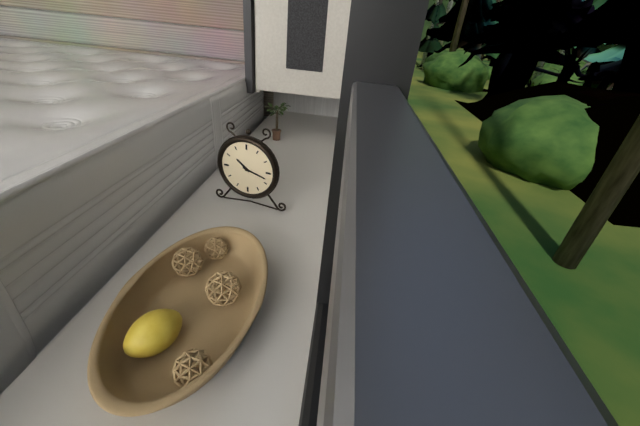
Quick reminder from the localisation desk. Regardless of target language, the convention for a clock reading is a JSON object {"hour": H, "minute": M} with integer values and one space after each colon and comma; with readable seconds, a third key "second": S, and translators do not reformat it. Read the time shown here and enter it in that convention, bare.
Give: {"hour": 10, "minute": 18}
